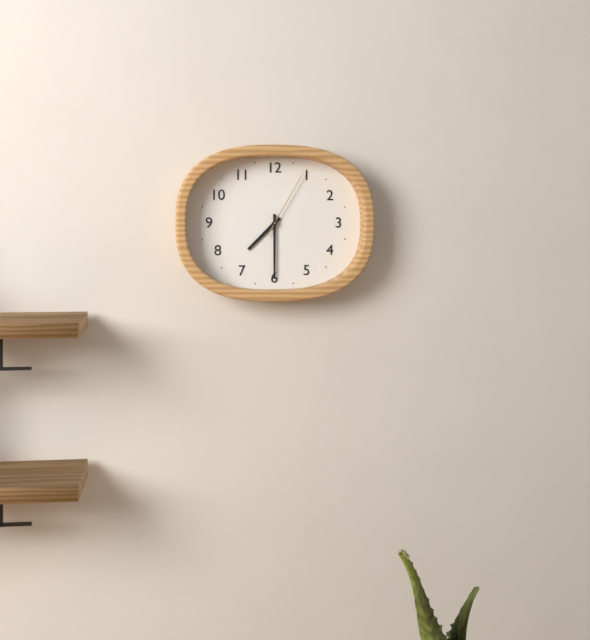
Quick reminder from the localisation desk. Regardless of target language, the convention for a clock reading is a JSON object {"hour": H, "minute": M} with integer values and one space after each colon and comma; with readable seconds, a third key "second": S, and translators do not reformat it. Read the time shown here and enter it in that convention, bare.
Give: {"hour": 7, "minute": 30, "second": 5}
